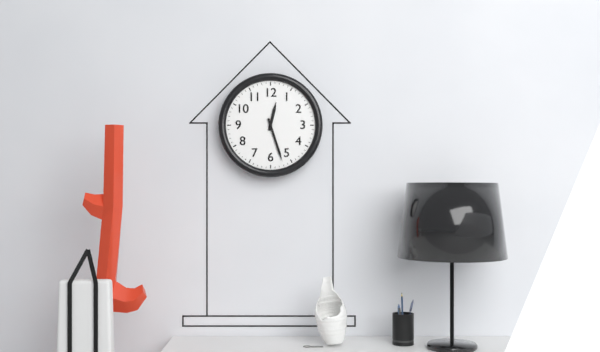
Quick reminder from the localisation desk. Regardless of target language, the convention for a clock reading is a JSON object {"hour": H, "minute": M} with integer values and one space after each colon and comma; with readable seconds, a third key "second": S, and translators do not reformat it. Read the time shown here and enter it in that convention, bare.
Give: {"hour": 12, "minute": 27}
